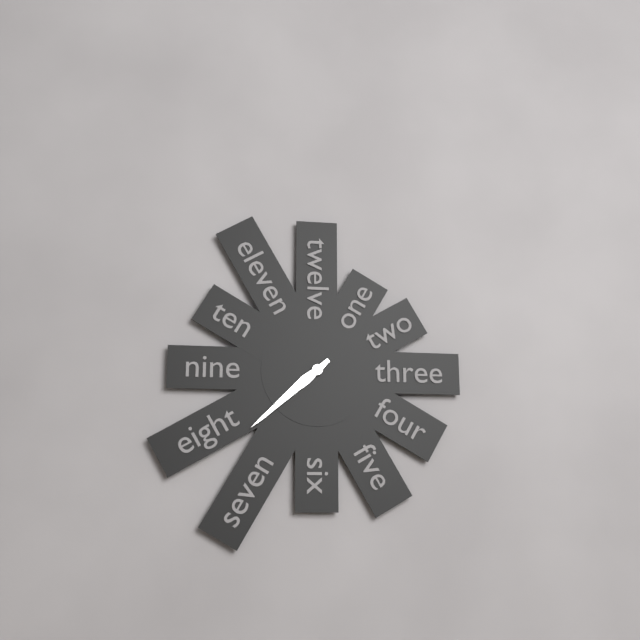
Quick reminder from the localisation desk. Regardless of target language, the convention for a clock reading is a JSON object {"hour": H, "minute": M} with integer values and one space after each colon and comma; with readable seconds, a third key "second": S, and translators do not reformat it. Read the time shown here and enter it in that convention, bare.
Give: {"hour": 7, "minute": 38}
